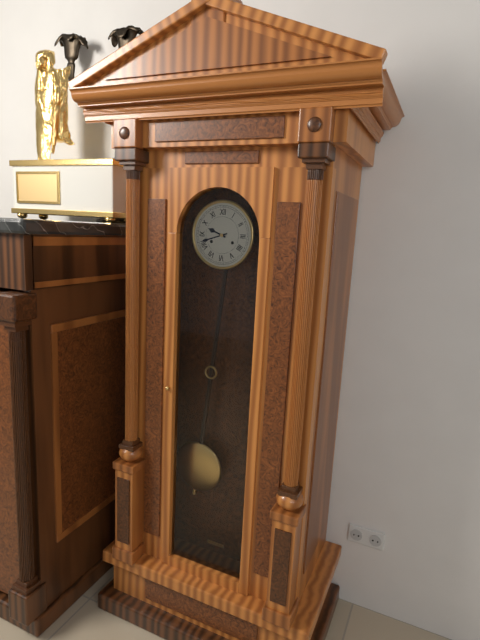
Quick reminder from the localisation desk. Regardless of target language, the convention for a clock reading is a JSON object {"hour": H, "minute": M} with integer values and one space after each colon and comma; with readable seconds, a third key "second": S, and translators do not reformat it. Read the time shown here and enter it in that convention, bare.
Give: {"hour": 9, "minute": 42}
